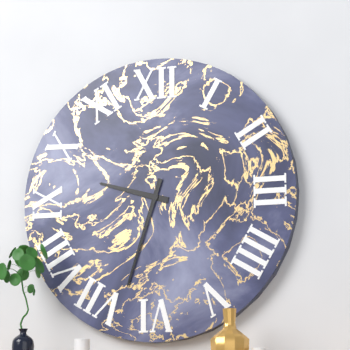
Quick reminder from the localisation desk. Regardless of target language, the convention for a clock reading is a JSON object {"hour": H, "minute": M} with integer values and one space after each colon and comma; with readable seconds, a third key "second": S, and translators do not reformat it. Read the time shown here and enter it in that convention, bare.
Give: {"hour": 9, "minute": 33}
